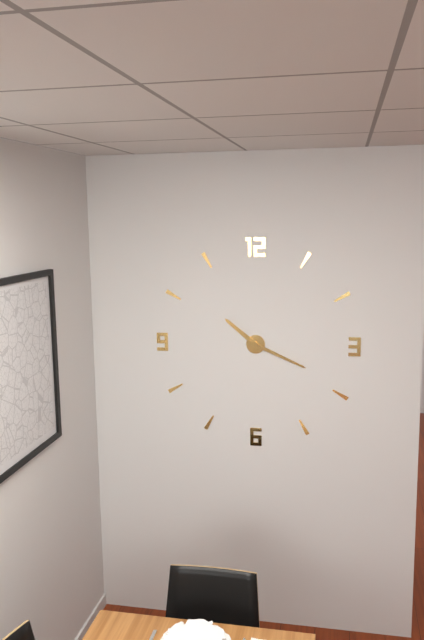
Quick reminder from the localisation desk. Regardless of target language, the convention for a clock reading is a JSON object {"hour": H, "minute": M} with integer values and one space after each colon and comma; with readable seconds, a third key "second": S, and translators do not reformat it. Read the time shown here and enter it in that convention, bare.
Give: {"hour": 10, "minute": 19}
